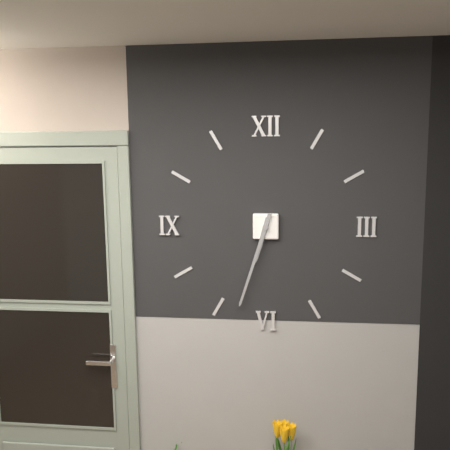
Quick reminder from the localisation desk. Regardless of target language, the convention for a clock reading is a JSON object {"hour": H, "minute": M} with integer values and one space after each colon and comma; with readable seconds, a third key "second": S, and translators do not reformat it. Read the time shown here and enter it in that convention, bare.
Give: {"hour": 6, "minute": 33}
